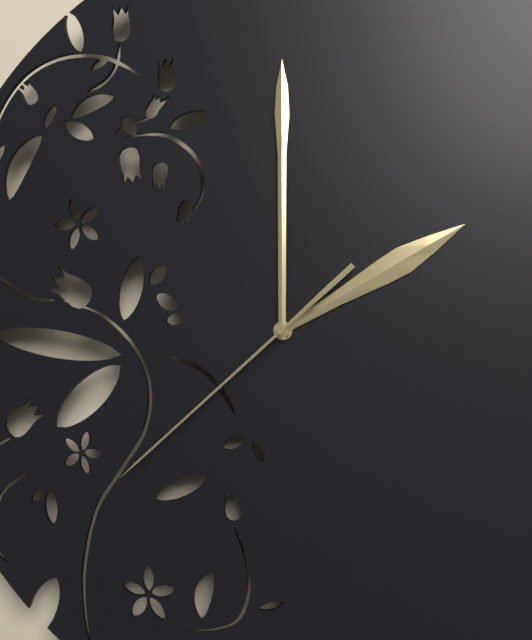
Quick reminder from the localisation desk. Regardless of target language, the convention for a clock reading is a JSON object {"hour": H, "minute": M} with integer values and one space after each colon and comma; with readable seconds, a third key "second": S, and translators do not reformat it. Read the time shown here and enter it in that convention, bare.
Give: {"hour": 2, "minute": 0, "second": 38}
